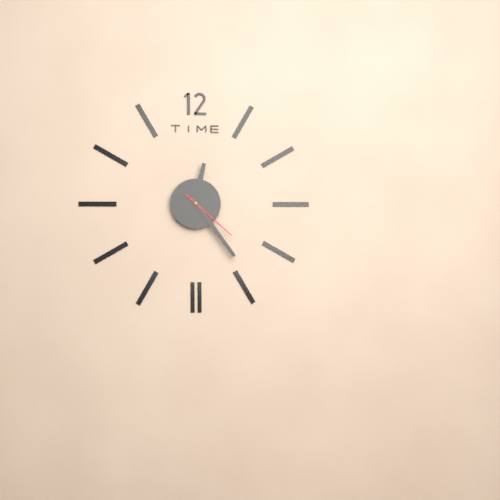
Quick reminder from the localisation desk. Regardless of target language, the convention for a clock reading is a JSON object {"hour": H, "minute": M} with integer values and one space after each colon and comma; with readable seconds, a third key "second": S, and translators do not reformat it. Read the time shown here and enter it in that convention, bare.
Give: {"hour": 12, "minute": 24, "second": 22}
